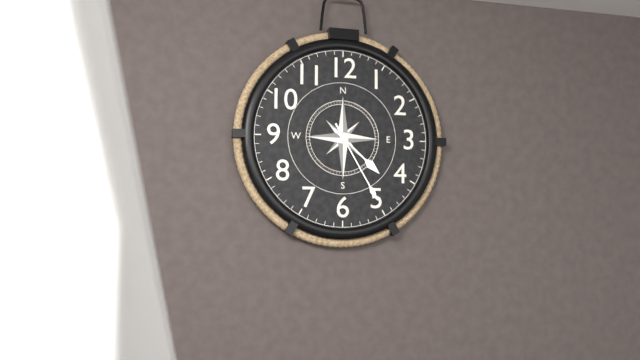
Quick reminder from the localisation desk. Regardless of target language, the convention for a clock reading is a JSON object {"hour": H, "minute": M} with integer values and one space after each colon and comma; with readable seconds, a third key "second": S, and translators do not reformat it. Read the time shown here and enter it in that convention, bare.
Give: {"hour": 4, "minute": 25}
